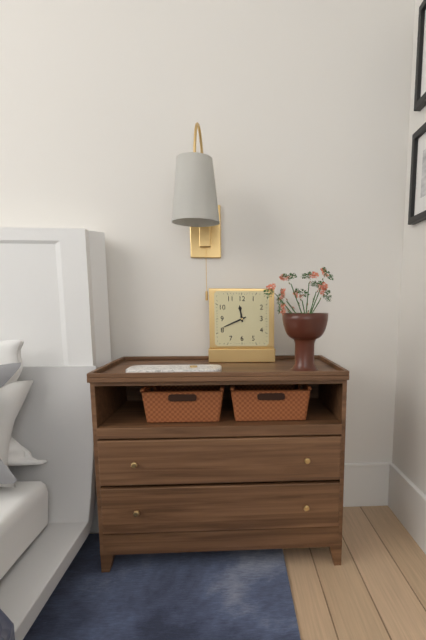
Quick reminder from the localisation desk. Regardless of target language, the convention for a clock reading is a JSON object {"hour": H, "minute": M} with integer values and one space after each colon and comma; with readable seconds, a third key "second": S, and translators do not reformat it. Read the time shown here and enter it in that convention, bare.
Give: {"hour": 11, "minute": 41}
